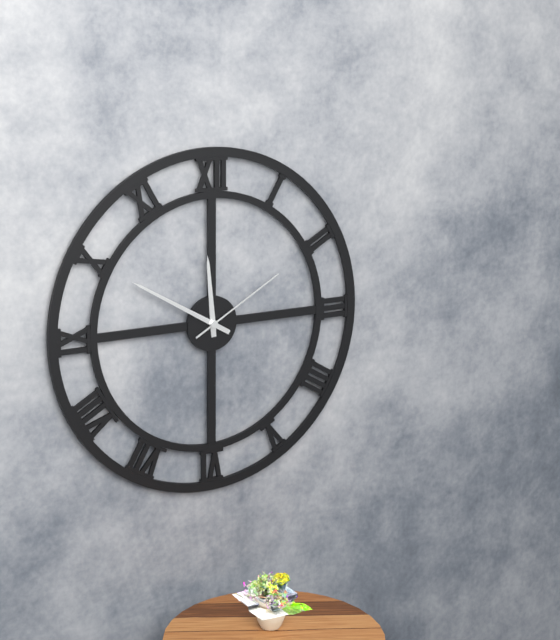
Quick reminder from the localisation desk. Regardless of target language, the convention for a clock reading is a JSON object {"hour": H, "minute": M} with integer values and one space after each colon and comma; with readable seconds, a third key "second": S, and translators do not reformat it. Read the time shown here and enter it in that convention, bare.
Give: {"hour": 11, "minute": 50, "second": 10}
